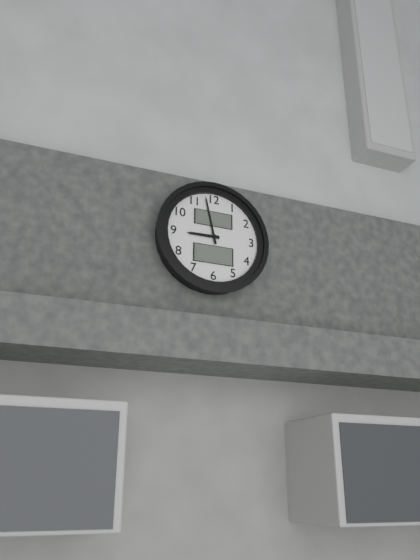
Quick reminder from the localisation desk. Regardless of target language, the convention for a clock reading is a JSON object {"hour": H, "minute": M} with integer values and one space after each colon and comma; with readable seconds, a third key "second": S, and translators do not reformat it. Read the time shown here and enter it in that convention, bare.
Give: {"hour": 8, "minute": 58}
